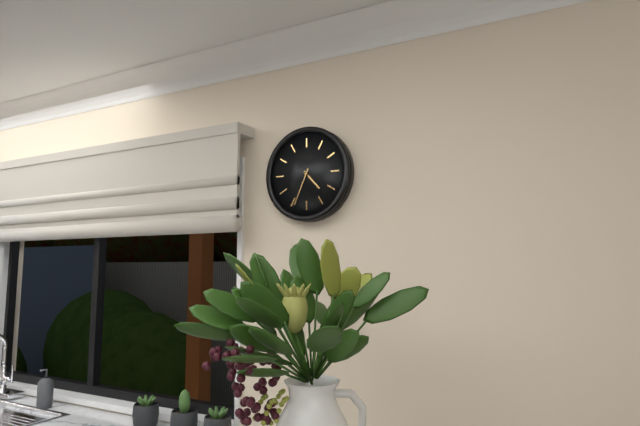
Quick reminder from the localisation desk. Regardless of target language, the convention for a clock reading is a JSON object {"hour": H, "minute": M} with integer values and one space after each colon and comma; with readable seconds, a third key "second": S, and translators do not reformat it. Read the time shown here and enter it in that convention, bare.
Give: {"hour": 4, "minute": 34}
